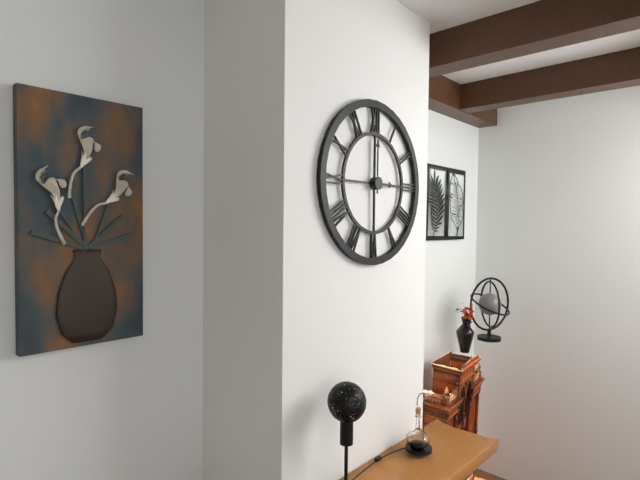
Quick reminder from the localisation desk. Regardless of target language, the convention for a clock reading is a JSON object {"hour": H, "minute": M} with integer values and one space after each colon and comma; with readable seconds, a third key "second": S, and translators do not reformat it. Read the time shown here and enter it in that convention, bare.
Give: {"hour": 3, "minute": 0}
